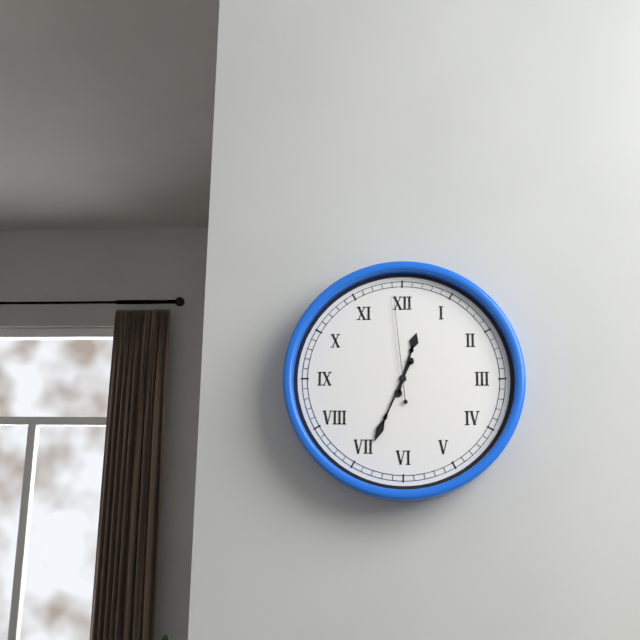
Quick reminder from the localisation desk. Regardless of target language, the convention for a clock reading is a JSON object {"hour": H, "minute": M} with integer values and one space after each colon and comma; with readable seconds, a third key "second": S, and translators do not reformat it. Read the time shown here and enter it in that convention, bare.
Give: {"hour": 12, "minute": 34, "second": 59}
